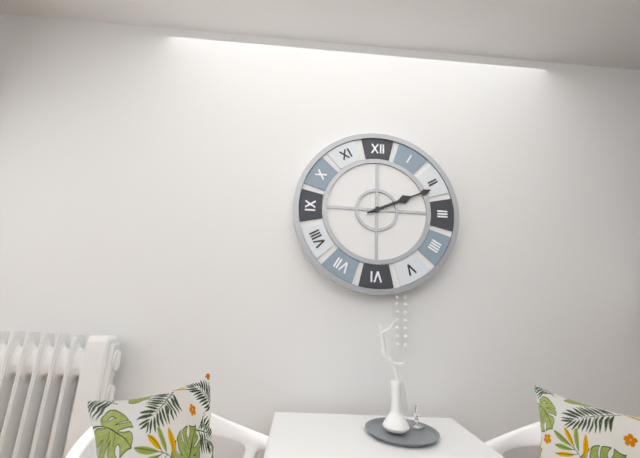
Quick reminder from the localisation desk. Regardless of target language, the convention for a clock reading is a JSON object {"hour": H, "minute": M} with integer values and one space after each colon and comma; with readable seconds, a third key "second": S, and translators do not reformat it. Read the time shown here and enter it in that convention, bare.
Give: {"hour": 2, "minute": 11}
